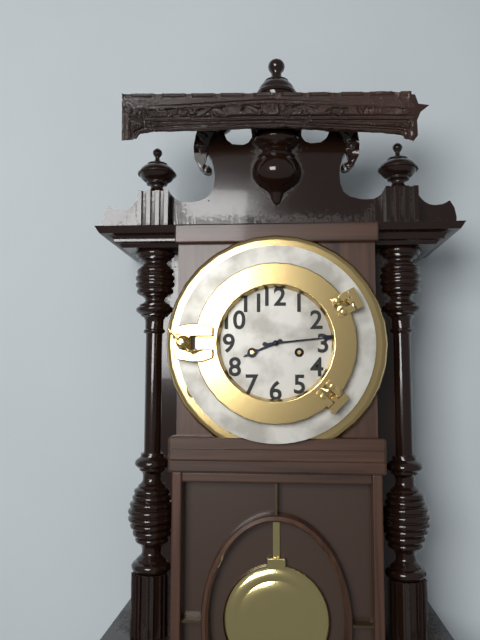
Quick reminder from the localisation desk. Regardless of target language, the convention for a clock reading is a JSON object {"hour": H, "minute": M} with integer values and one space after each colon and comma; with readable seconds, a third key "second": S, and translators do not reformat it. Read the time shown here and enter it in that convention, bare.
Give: {"hour": 8, "minute": 14}
